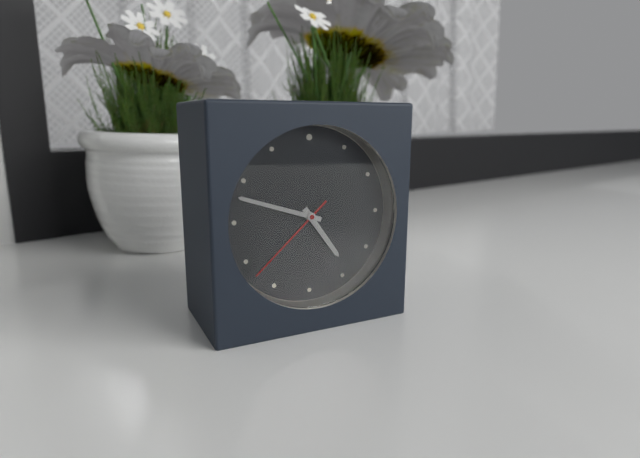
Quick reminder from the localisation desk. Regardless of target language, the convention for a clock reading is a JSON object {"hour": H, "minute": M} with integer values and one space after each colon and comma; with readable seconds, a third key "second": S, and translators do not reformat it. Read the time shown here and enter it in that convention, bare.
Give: {"hour": 4, "minute": 48, "second": 38}
